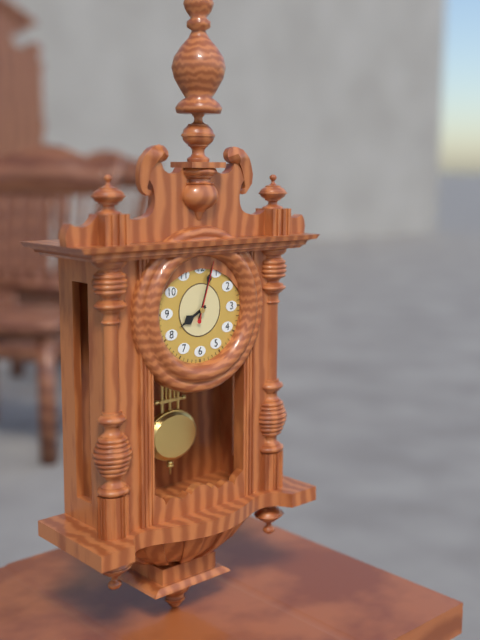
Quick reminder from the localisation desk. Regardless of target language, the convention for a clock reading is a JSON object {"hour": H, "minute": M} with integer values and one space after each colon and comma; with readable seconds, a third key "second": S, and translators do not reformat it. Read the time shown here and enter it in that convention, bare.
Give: {"hour": 8, "minute": 3, "second": 3}
